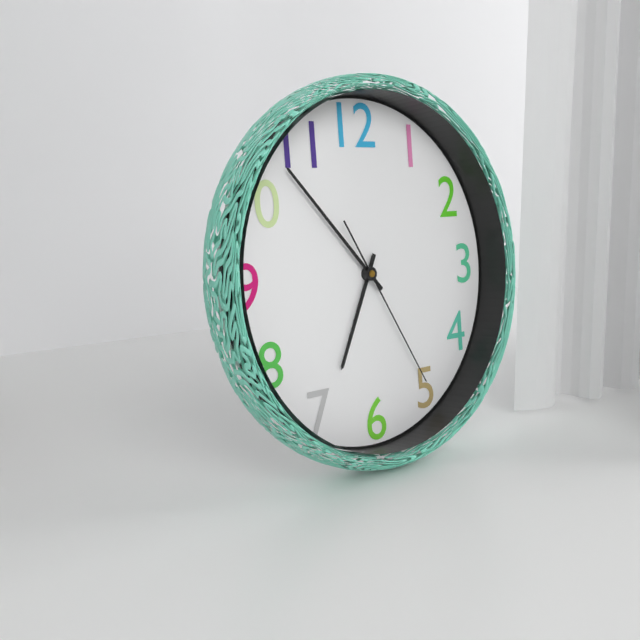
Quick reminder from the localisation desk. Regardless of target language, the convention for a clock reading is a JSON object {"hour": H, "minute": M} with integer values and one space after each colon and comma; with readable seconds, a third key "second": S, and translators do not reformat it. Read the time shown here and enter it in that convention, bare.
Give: {"hour": 6, "minute": 53, "second": 25}
